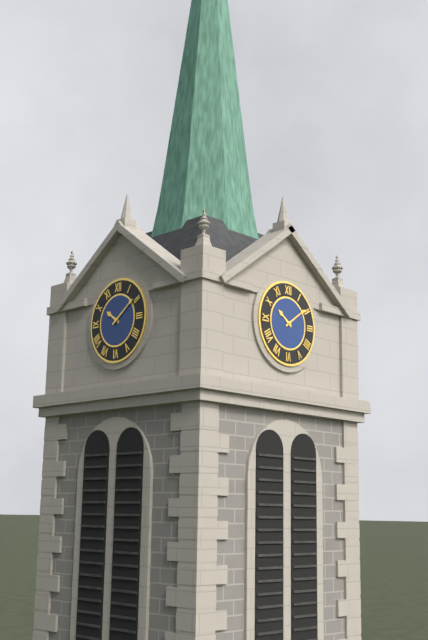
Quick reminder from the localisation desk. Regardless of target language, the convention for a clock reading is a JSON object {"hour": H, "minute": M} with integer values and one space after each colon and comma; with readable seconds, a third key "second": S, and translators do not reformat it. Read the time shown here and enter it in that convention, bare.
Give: {"hour": 10, "minute": 9}
